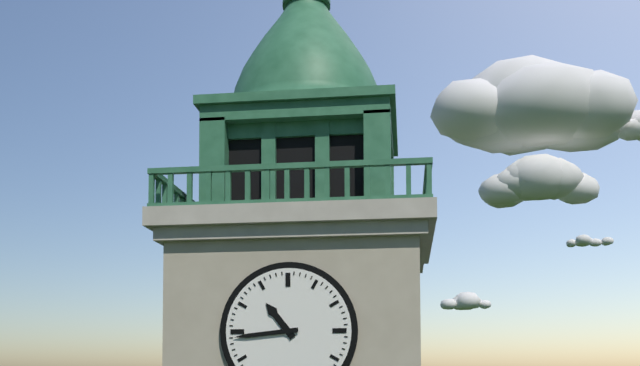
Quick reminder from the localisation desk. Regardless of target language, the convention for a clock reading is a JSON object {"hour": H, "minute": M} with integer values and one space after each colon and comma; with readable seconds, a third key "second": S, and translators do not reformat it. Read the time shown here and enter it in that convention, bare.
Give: {"hour": 10, "minute": 44}
